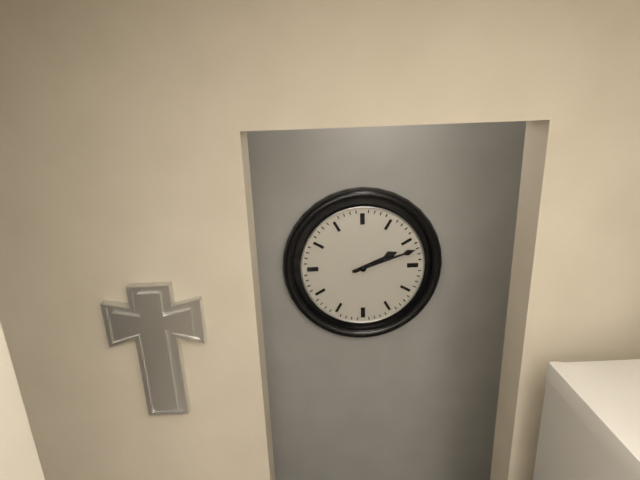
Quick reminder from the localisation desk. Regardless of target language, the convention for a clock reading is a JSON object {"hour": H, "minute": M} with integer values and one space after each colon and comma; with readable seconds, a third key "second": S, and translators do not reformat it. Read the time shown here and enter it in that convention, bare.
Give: {"hour": 2, "minute": 12}
